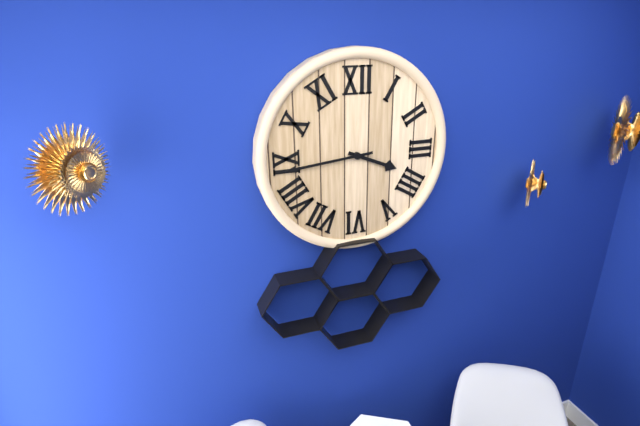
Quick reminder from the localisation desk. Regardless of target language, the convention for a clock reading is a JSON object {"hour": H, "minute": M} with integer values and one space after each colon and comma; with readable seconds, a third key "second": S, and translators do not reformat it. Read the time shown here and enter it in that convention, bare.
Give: {"hour": 3, "minute": 44}
